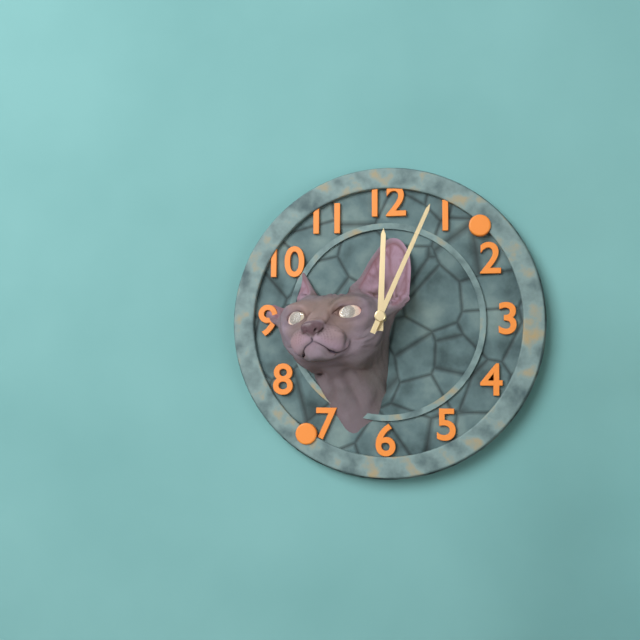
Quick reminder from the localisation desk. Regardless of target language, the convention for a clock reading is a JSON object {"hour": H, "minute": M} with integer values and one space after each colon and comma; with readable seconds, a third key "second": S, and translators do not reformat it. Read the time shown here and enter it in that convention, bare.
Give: {"hour": 12, "minute": 4}
